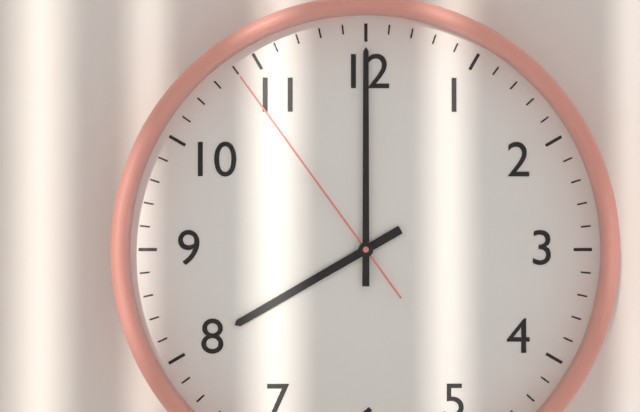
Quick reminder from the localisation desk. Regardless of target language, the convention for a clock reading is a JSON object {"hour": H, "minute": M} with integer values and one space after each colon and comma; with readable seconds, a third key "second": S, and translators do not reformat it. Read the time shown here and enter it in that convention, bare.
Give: {"hour": 8, "minute": 0, "second": 54}
